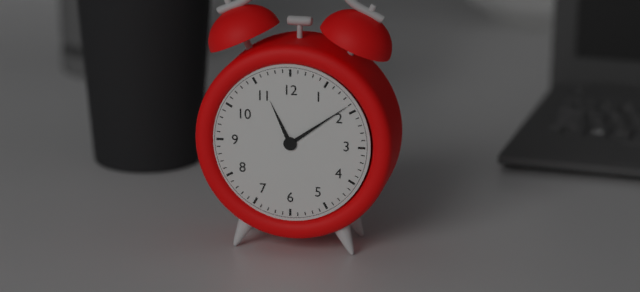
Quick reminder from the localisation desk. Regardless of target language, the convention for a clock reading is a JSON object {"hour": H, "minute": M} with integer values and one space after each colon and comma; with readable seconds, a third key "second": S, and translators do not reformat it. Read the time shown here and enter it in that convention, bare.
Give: {"hour": 11, "minute": 9}
